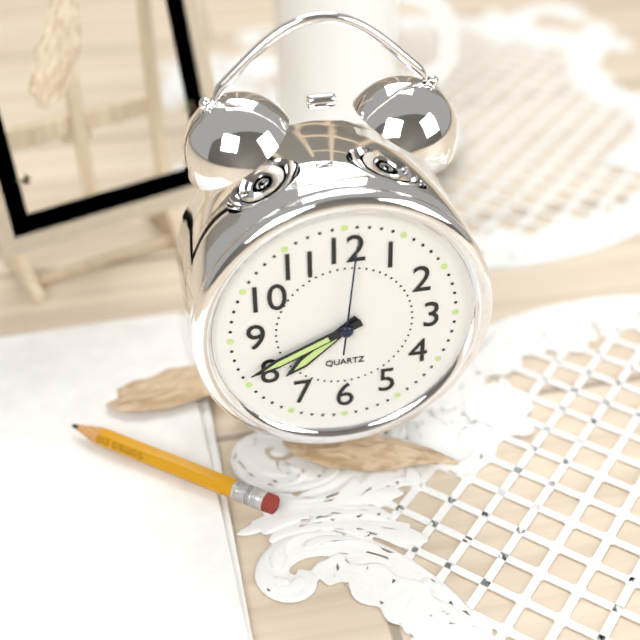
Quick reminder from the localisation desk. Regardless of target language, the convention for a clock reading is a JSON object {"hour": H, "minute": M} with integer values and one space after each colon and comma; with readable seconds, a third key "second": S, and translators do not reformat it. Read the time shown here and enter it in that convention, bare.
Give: {"hour": 7, "minute": 41, "second": 1}
